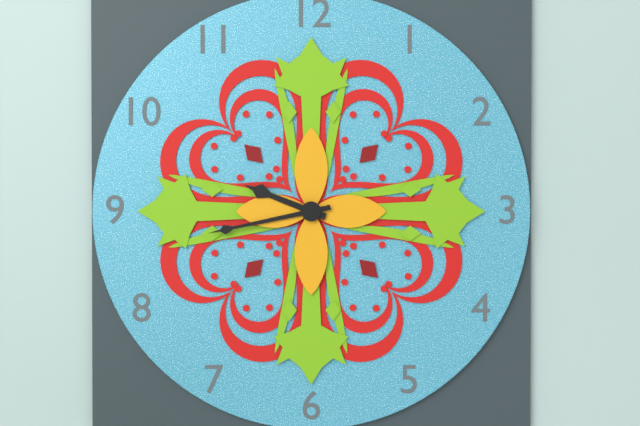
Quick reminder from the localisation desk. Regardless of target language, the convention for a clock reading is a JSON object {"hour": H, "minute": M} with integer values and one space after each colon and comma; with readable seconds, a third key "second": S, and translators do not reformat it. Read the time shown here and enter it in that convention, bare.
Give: {"hour": 9, "minute": 43}
